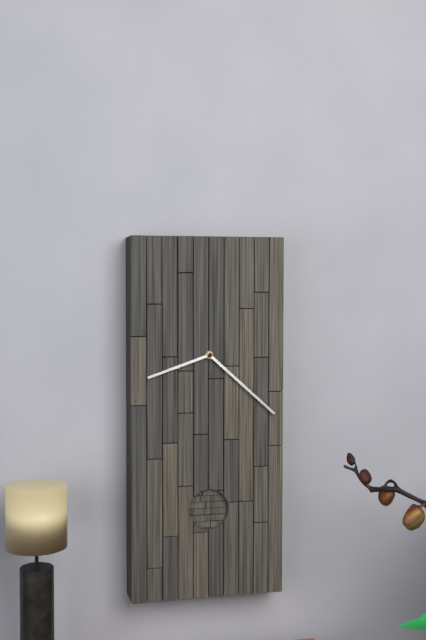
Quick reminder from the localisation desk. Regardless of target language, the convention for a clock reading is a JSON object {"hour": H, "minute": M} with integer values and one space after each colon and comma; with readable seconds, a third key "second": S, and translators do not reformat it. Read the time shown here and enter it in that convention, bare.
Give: {"hour": 8, "minute": 22}
